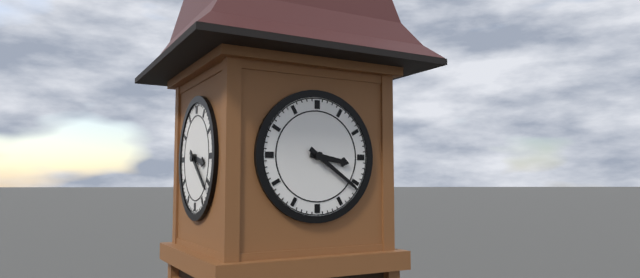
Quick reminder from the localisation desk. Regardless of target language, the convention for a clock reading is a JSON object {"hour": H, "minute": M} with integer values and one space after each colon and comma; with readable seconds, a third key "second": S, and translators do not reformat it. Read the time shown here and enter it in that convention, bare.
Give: {"hour": 3, "minute": 21}
